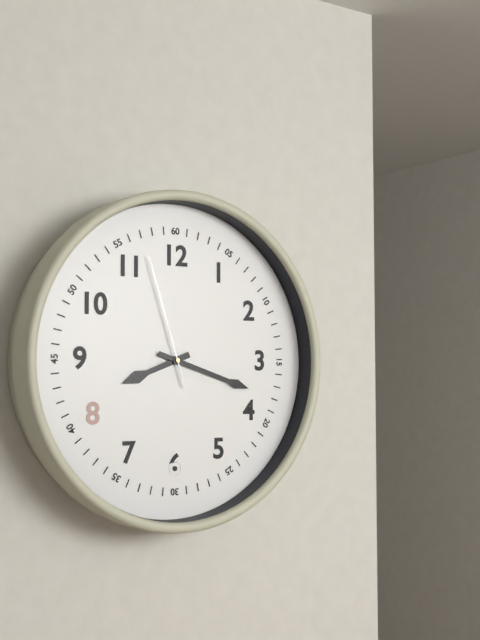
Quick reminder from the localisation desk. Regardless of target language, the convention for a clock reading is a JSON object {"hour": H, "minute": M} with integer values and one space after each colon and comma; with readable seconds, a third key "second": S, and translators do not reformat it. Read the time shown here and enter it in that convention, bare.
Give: {"hour": 8, "minute": 18, "second": 57}
